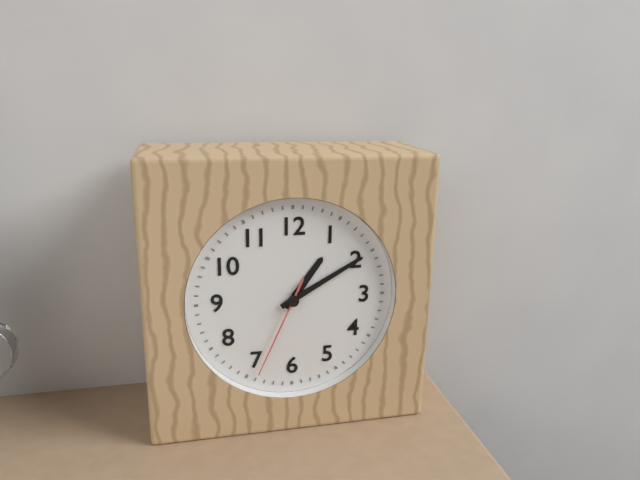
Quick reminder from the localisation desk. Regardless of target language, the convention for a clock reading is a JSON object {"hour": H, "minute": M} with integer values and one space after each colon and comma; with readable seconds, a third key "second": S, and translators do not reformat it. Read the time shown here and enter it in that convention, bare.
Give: {"hour": 1, "minute": 10, "second": 34}
